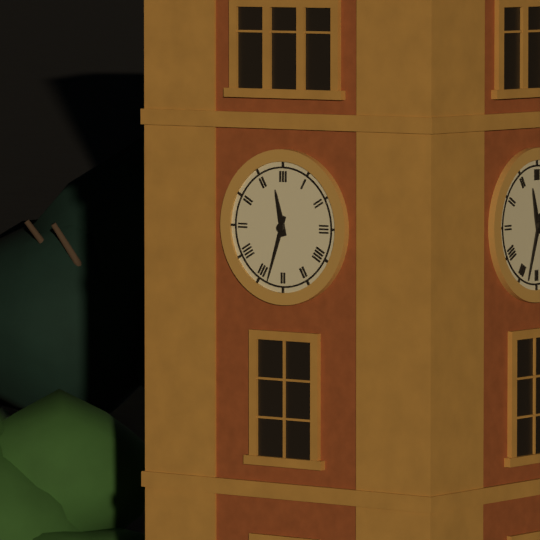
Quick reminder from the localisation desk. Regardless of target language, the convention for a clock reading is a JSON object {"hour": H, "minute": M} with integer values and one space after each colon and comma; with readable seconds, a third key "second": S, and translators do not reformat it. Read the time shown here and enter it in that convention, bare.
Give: {"hour": 11, "minute": 33}
